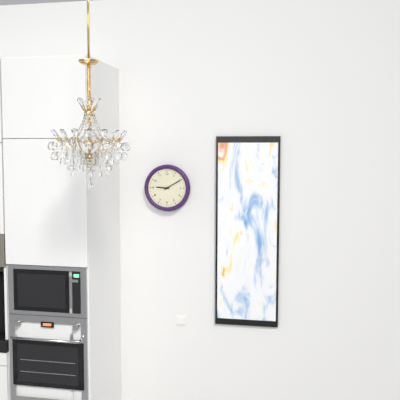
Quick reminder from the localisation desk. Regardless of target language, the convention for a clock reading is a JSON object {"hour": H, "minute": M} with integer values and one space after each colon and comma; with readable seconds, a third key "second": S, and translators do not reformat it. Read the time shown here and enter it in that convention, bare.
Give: {"hour": 9, "minute": 10}
